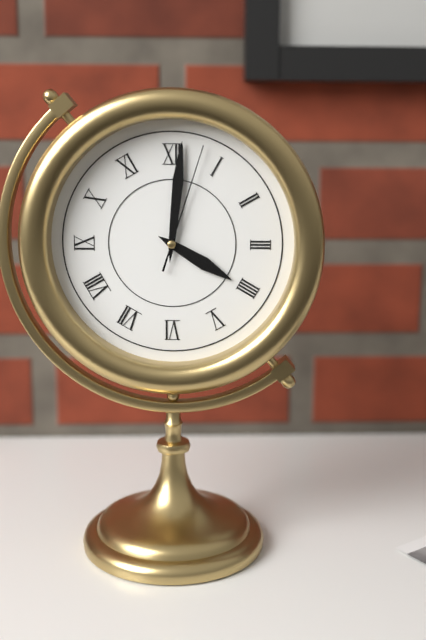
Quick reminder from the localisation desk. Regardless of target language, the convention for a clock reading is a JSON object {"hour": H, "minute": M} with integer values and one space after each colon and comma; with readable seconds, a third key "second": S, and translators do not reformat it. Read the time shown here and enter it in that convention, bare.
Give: {"hour": 4, "minute": 1, "second": 3}
